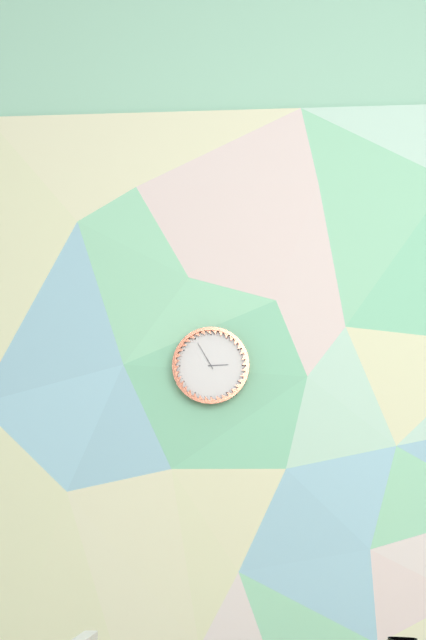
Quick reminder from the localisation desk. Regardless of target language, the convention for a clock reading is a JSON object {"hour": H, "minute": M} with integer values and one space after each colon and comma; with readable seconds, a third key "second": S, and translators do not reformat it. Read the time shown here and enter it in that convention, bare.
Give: {"hour": 2, "minute": 55}
